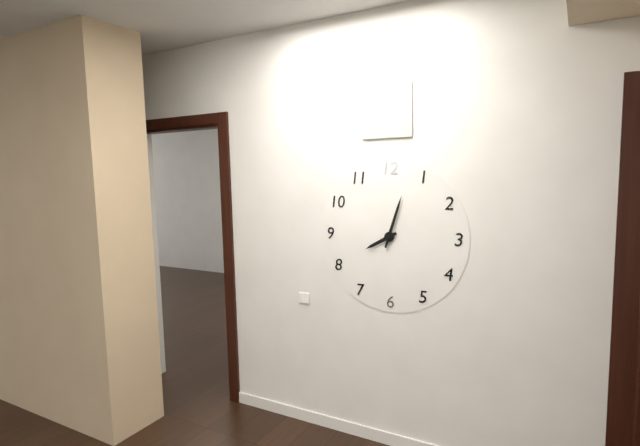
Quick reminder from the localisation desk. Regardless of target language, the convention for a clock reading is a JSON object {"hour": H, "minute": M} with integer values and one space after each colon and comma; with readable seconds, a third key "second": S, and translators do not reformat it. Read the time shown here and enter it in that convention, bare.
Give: {"hour": 8, "minute": 3}
